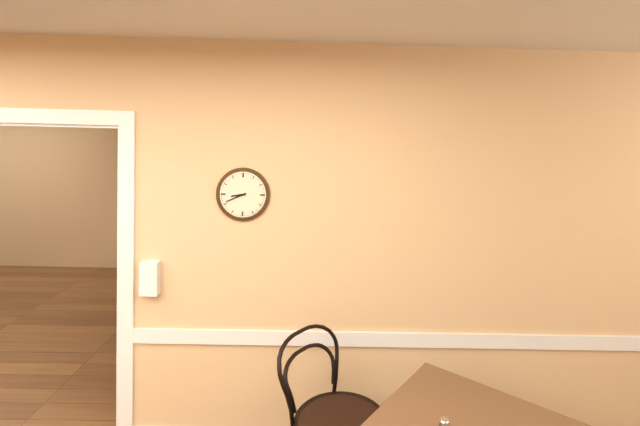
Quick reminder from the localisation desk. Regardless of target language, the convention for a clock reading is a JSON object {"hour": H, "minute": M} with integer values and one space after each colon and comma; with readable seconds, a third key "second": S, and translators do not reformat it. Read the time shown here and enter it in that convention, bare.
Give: {"hour": 8, "minute": 41}
